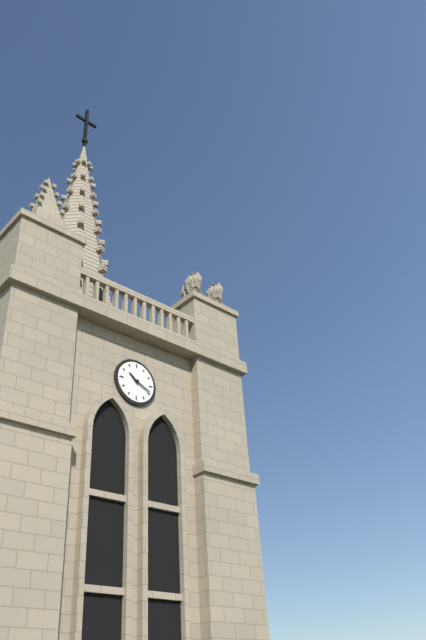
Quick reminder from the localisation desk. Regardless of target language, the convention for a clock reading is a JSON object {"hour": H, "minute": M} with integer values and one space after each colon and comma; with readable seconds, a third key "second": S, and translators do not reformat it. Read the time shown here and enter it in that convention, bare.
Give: {"hour": 10, "minute": 19}
